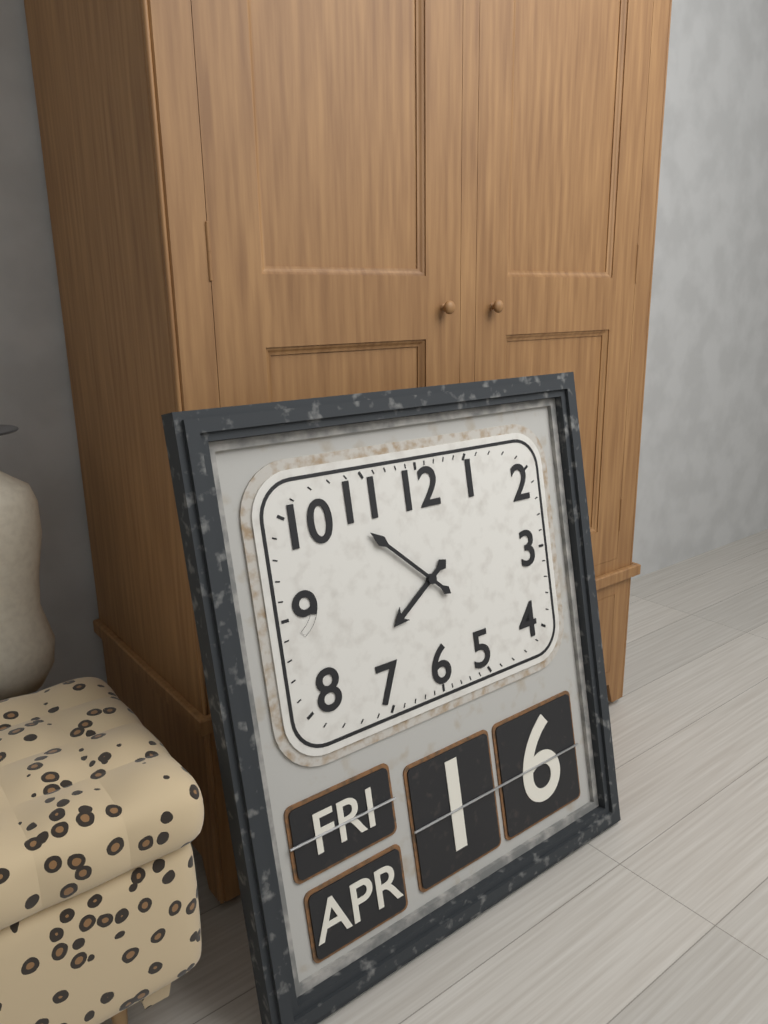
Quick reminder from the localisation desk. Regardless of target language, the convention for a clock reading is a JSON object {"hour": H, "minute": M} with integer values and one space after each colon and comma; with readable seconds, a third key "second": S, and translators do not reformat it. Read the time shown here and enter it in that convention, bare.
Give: {"hour": 7, "minute": 52}
